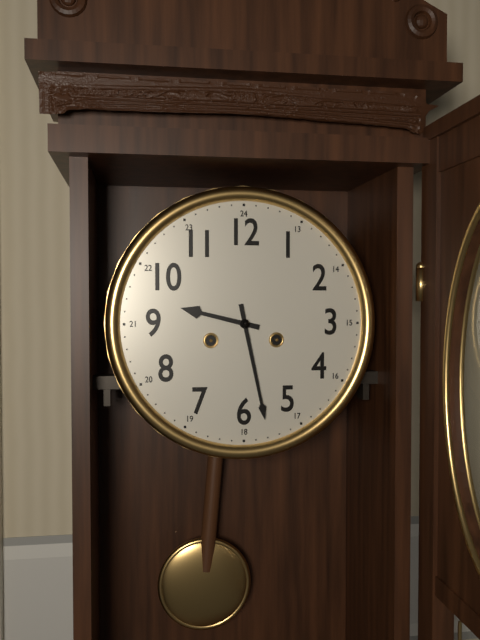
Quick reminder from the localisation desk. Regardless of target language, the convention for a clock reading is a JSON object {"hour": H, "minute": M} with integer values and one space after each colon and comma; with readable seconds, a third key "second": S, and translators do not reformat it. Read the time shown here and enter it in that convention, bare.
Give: {"hour": 9, "minute": 28}
